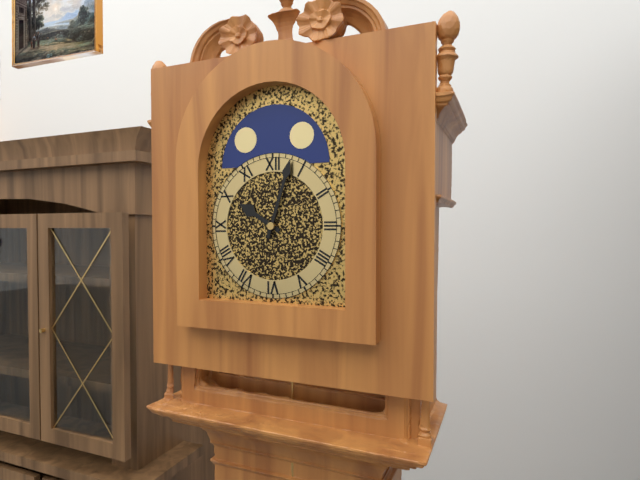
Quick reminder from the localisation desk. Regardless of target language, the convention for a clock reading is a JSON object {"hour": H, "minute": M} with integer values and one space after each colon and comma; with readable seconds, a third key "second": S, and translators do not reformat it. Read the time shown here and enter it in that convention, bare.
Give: {"hour": 10, "minute": 3}
